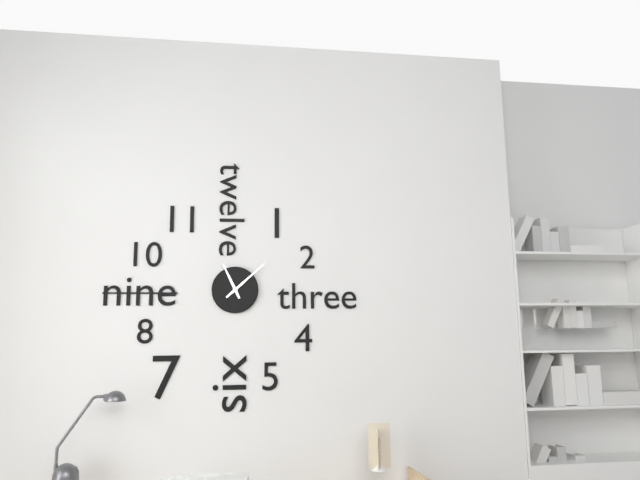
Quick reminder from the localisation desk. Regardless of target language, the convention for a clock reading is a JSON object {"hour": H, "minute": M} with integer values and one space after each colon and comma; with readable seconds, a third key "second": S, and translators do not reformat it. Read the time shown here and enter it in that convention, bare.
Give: {"hour": 11, "minute": 8}
